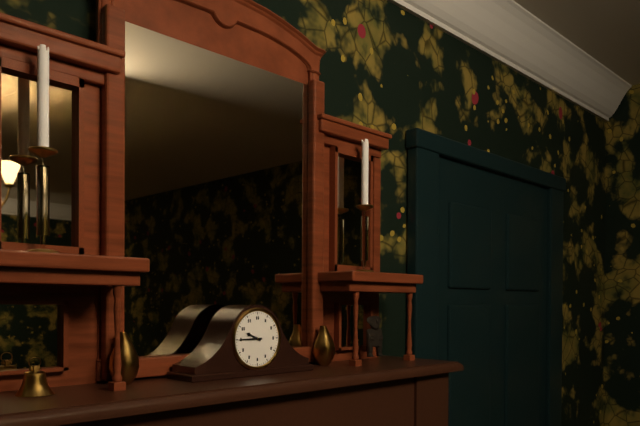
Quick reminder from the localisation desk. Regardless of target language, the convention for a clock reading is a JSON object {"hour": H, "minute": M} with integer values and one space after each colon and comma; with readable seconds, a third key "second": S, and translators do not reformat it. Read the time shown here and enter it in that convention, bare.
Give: {"hour": 9, "minute": 45}
